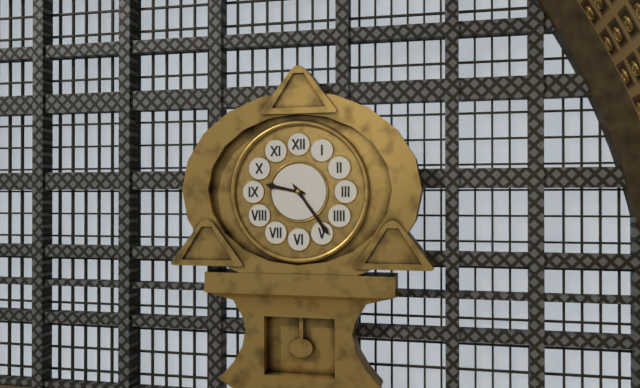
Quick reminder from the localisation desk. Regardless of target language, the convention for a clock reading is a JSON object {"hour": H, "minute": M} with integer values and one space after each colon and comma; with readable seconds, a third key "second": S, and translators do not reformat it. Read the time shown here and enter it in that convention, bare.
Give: {"hour": 9, "minute": 24}
